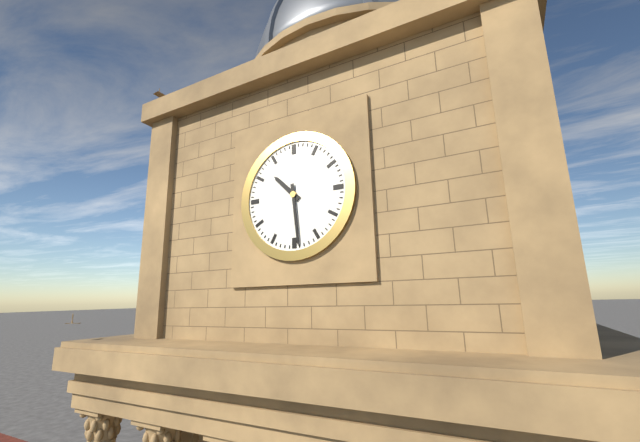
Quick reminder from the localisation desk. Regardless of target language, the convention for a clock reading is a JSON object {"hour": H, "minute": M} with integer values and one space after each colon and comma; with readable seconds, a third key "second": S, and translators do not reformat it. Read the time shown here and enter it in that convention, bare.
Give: {"hour": 10, "minute": 29}
